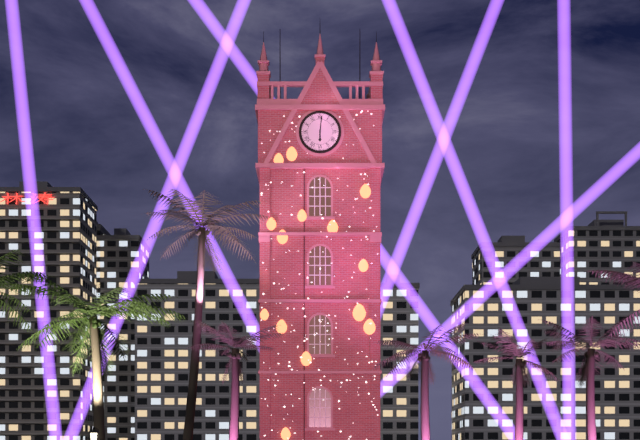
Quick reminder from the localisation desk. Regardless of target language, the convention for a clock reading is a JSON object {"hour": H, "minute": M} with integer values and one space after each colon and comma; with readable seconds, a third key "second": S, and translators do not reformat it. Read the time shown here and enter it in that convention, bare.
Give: {"hour": 6, "minute": 1}
